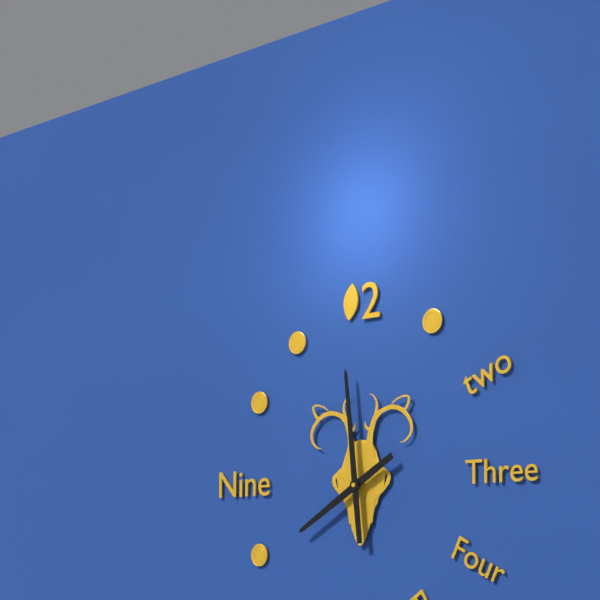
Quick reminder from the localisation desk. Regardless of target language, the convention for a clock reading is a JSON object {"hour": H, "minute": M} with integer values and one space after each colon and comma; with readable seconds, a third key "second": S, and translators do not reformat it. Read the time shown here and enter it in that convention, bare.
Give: {"hour": 7, "minute": 59}
